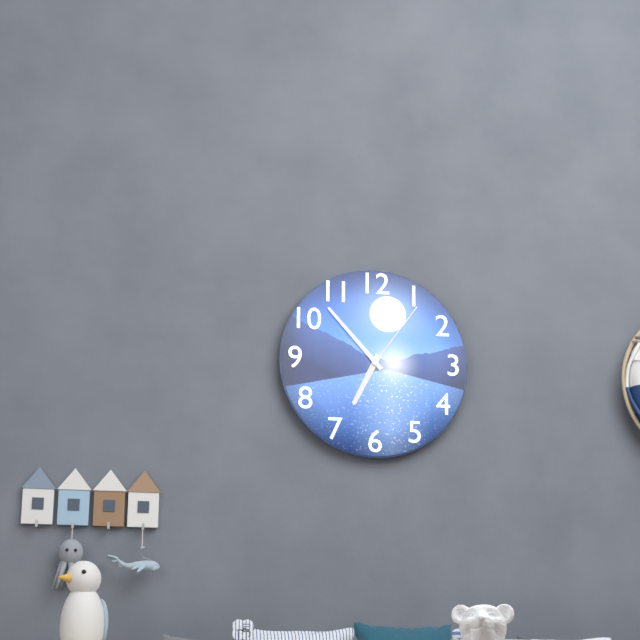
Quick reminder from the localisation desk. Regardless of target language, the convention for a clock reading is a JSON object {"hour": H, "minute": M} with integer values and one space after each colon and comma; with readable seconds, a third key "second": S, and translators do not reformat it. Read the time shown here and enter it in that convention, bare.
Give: {"hour": 6, "minute": 53, "second": 6}
